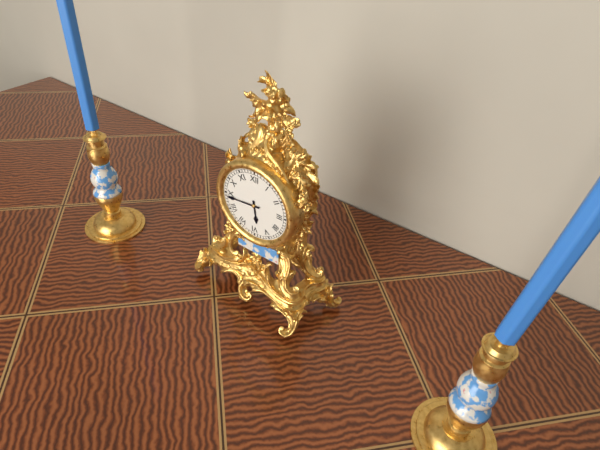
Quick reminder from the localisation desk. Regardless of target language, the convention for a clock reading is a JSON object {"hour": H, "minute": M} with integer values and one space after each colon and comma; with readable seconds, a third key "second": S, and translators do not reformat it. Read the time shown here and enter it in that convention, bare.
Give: {"hour": 5, "minute": 44}
